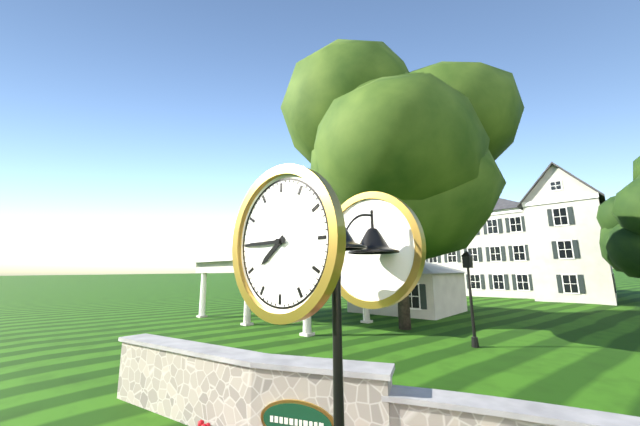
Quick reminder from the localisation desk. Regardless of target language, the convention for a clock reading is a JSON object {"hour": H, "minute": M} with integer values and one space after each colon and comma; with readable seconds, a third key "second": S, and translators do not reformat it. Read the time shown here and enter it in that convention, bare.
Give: {"hour": 7, "minute": 45}
